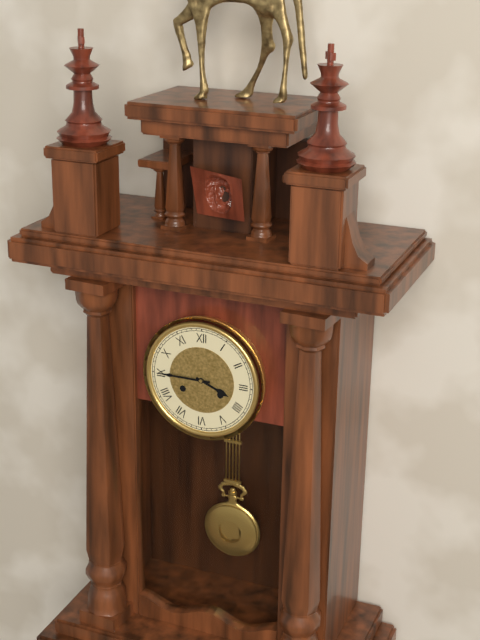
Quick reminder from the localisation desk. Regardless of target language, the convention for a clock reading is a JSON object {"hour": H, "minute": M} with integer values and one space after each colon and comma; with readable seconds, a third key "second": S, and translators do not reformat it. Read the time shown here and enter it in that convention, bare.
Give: {"hour": 3, "minute": 45}
